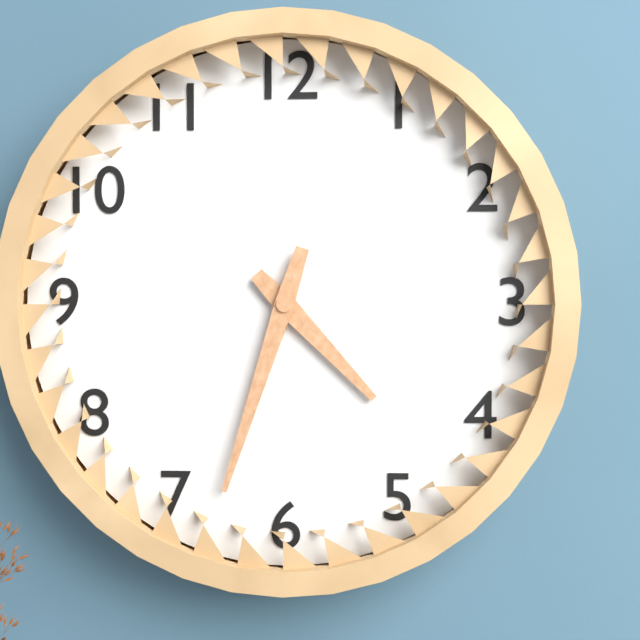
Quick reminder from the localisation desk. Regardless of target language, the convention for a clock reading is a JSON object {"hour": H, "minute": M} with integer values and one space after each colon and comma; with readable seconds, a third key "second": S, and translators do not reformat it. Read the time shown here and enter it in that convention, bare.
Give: {"hour": 4, "minute": 33}
